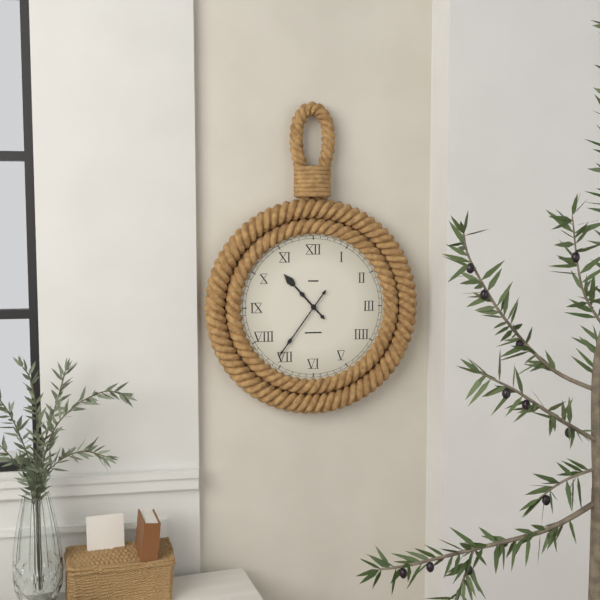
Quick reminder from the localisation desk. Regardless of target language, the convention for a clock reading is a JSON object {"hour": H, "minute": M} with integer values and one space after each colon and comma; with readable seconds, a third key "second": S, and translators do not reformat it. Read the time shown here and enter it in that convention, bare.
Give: {"hour": 10, "minute": 36}
